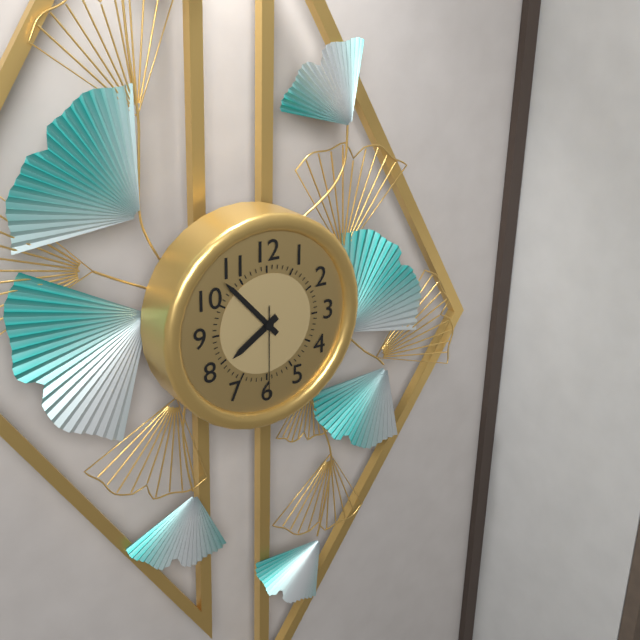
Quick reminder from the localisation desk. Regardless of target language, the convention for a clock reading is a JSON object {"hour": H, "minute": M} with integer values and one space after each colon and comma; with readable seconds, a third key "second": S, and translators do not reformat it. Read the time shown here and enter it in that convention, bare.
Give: {"hour": 7, "minute": 53, "second": 30}
